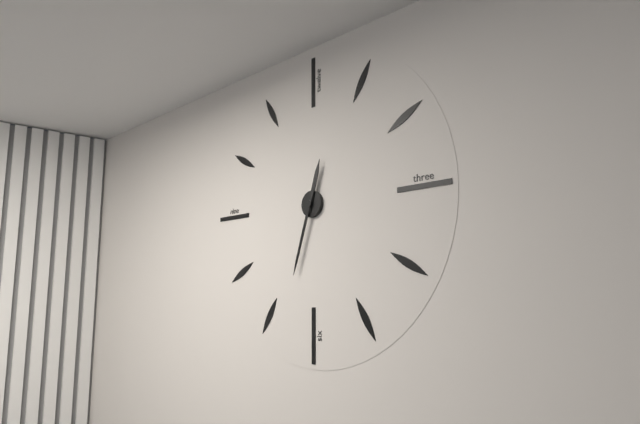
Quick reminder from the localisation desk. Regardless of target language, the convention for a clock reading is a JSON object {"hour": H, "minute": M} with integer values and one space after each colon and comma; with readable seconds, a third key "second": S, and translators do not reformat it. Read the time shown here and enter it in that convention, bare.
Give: {"hour": 12, "minute": 33}
